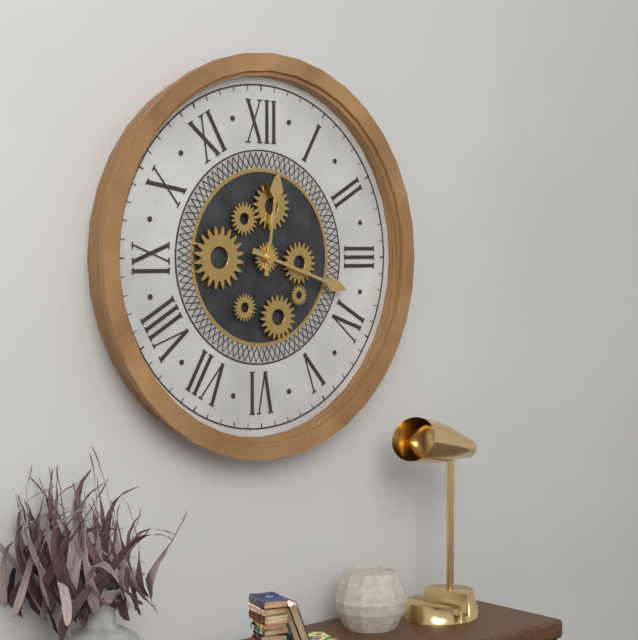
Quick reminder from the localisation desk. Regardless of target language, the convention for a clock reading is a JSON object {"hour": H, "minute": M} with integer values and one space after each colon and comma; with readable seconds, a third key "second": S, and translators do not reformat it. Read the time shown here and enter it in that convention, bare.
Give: {"hour": 12, "minute": 18}
